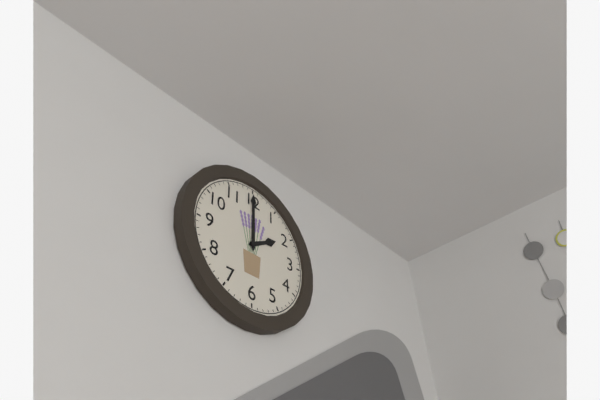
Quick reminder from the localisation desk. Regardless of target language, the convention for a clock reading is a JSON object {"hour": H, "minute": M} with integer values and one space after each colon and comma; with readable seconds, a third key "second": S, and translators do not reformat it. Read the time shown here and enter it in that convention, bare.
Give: {"hour": 2, "minute": 0}
